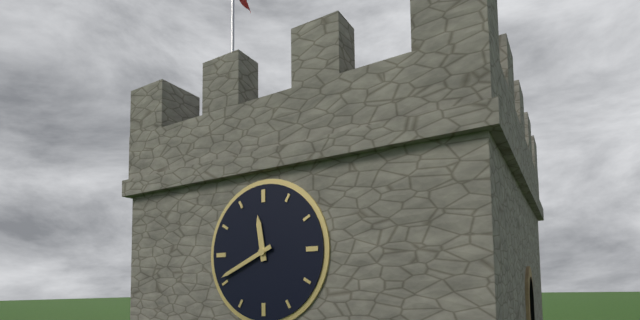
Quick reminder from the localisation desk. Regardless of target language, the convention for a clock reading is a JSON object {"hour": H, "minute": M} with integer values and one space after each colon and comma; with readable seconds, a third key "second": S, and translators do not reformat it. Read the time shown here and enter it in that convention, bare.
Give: {"hour": 11, "minute": 41}
